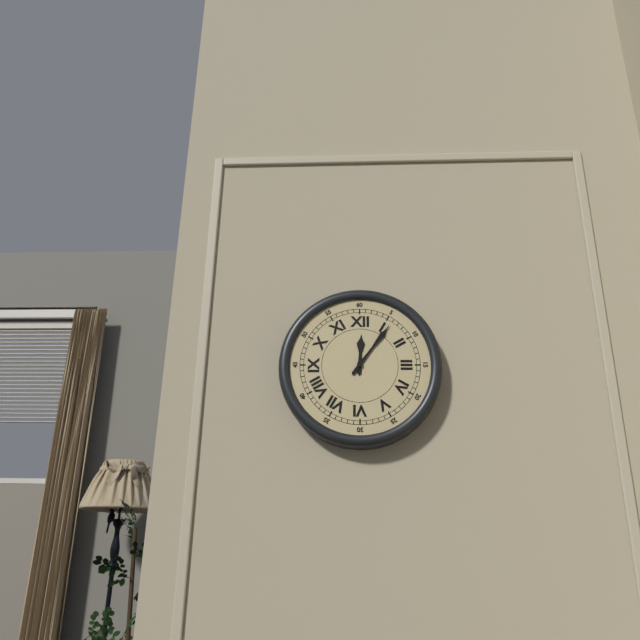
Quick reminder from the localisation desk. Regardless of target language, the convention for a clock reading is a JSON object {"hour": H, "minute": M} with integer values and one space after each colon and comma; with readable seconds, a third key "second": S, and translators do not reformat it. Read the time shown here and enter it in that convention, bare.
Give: {"hour": 12, "minute": 6}
